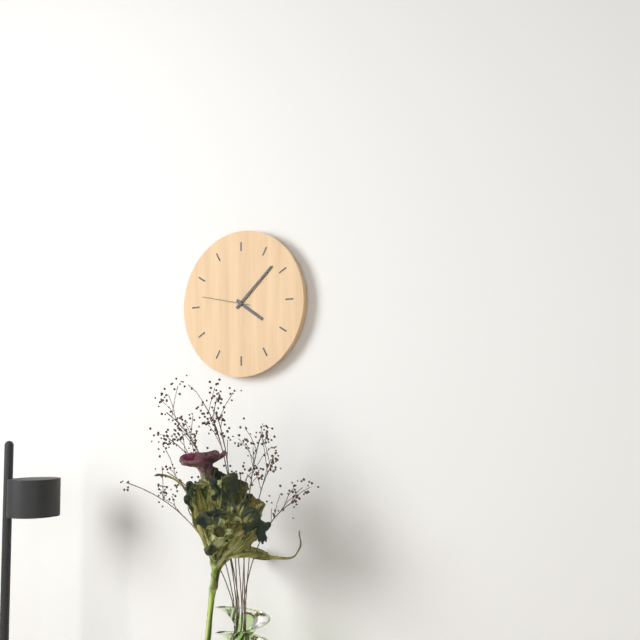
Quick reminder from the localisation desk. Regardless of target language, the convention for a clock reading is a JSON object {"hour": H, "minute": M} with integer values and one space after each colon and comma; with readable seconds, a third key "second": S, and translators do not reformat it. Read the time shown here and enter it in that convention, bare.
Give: {"hour": 4, "minute": 8}
